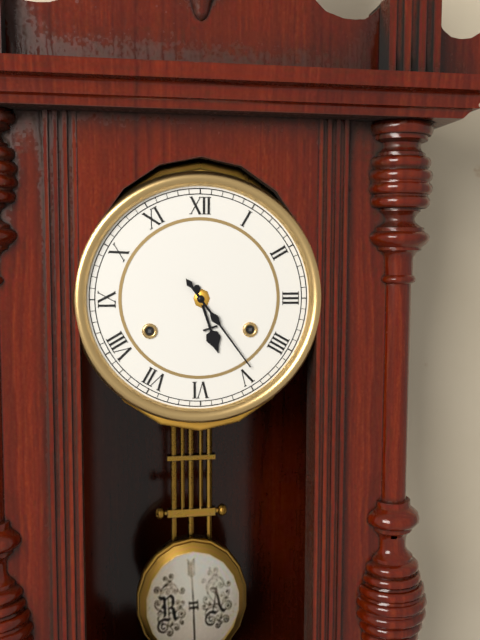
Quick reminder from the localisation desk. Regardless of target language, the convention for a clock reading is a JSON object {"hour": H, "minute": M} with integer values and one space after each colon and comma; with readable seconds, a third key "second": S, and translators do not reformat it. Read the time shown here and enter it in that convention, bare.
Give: {"hour": 5, "minute": 24}
